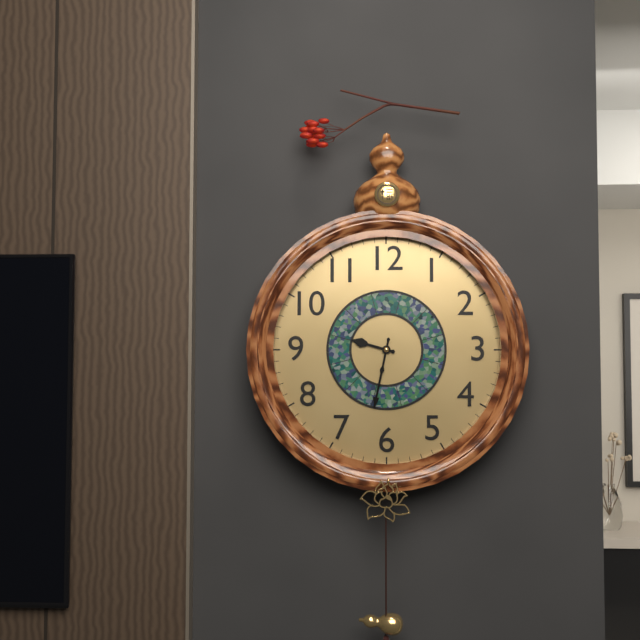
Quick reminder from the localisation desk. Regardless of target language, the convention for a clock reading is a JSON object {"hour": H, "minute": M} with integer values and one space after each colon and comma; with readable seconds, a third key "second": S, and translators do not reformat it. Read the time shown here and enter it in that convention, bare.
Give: {"hour": 9, "minute": 32, "second": 32}
